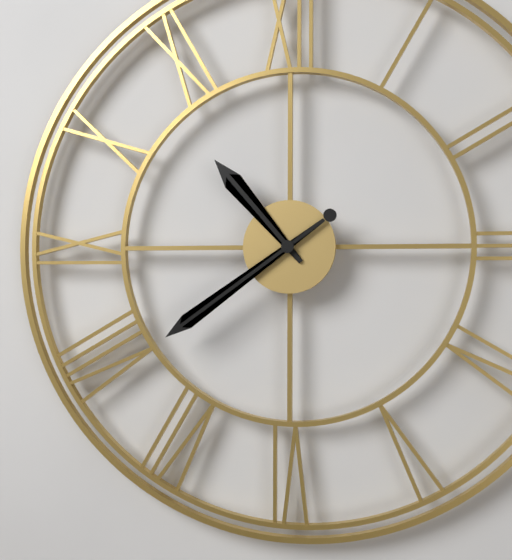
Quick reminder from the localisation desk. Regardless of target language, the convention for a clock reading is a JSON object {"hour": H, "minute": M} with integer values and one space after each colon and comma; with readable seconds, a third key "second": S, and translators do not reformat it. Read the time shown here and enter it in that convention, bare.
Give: {"hour": 10, "minute": 39}
